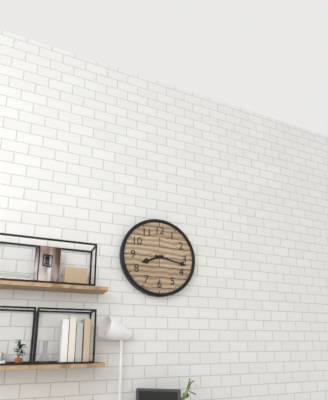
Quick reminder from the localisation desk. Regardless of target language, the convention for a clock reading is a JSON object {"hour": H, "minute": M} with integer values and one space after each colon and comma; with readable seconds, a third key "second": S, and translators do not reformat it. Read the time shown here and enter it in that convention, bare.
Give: {"hour": 8, "minute": 17}
